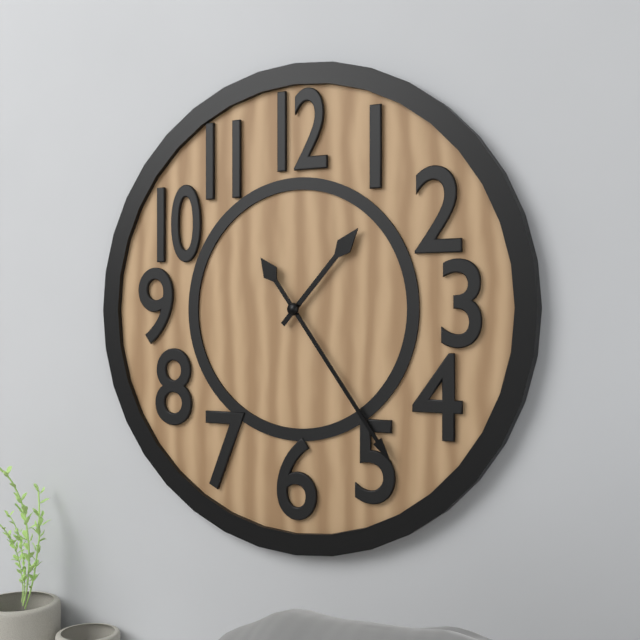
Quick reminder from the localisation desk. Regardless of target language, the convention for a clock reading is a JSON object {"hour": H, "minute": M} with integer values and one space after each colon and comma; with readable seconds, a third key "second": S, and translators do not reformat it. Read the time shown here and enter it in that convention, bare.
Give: {"hour": 1, "minute": 24}
